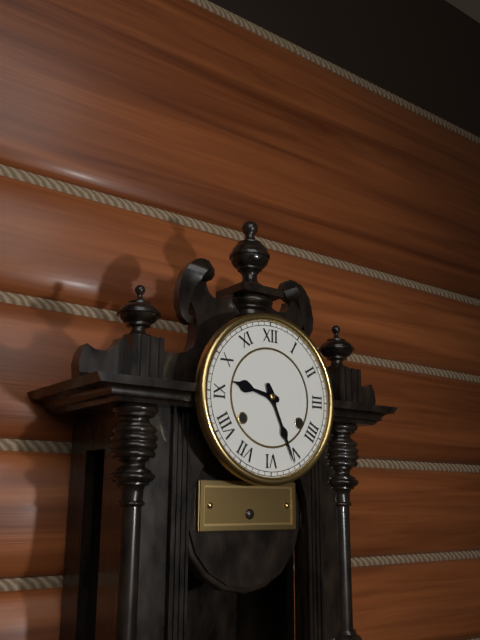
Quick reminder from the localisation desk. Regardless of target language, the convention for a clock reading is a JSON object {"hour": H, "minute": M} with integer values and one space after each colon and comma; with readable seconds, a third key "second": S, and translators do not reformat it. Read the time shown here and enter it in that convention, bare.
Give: {"hour": 9, "minute": 26}
